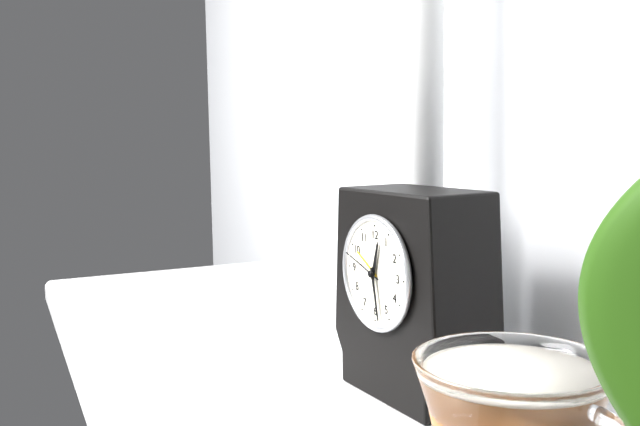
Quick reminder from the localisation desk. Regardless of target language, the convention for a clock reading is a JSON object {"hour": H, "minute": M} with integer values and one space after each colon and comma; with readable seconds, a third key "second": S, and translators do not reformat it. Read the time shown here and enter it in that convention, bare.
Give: {"hour": 12, "minute": 28}
